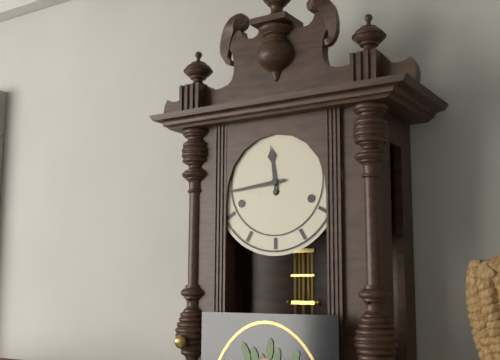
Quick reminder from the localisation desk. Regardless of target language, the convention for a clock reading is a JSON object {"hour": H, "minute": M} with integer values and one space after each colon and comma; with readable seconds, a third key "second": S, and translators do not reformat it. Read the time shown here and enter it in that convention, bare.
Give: {"hour": 11, "minute": 44}
